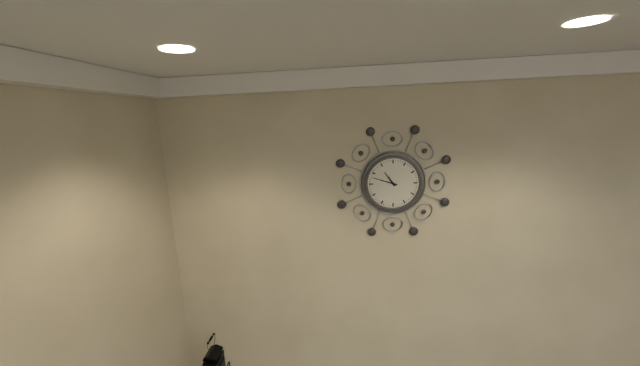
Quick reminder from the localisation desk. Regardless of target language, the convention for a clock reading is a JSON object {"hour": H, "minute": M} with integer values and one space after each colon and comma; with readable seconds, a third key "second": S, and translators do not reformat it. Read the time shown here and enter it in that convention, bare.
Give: {"hour": 10, "minute": 48}
